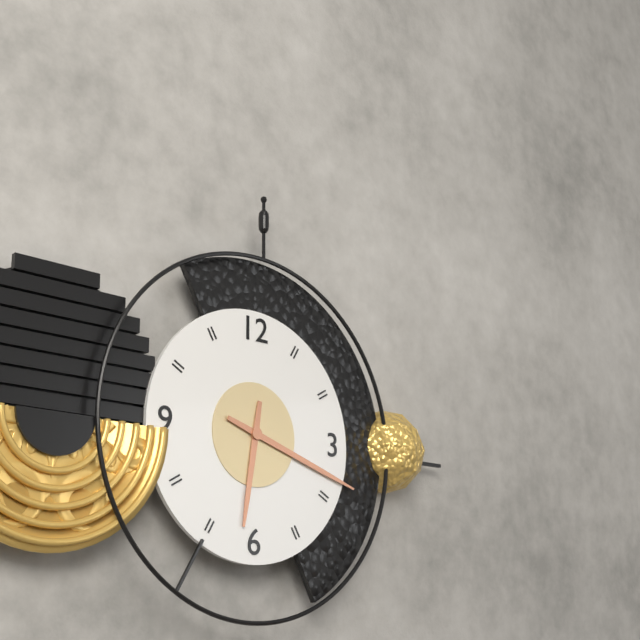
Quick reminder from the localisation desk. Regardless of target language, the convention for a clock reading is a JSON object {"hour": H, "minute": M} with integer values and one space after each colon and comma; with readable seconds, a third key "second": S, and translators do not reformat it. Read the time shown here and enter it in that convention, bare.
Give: {"hour": 6, "minute": 18}
